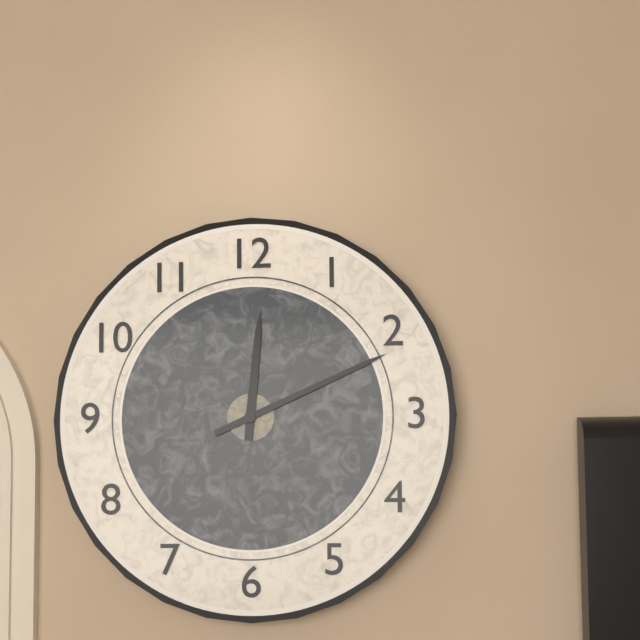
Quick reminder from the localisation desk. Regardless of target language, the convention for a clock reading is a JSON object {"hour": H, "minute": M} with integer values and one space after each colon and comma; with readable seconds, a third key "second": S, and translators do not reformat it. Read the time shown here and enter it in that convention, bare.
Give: {"hour": 12, "minute": 11}
